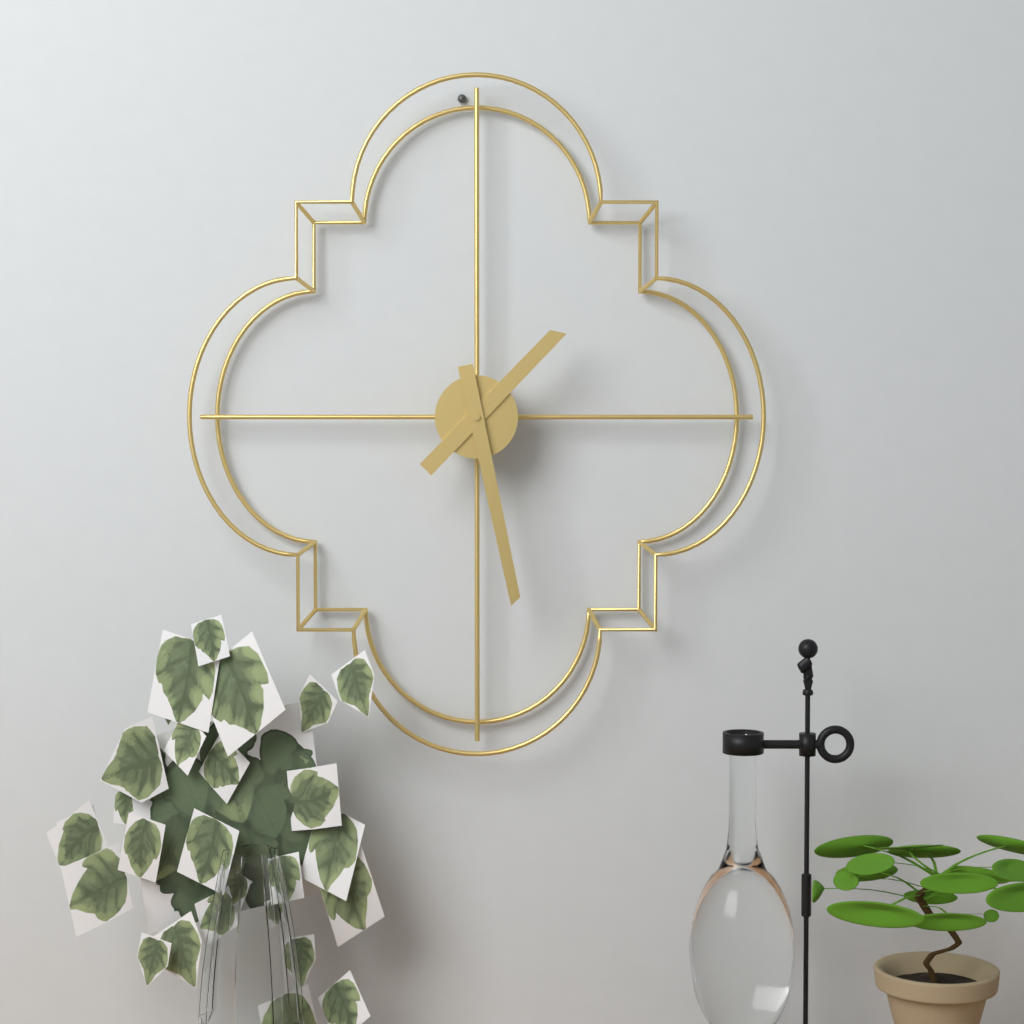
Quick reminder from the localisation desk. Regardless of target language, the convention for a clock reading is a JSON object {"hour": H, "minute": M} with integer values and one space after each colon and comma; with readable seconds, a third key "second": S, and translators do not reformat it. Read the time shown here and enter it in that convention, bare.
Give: {"hour": 1, "minute": 28}
